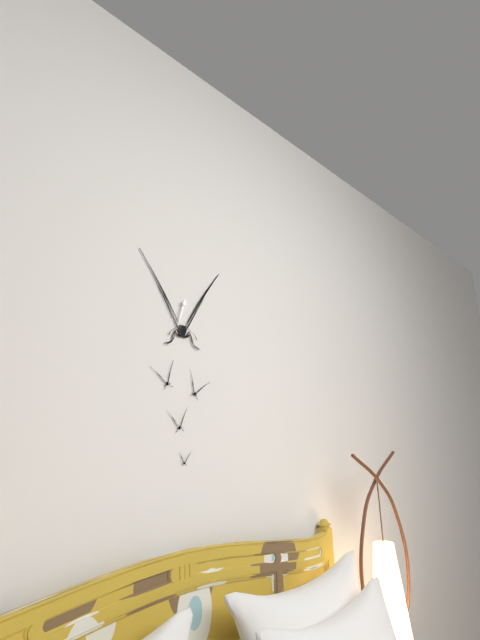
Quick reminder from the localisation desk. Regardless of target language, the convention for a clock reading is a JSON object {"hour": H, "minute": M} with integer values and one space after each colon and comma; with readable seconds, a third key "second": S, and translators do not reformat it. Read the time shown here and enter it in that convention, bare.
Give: {"hour": 6, "minute": 33}
